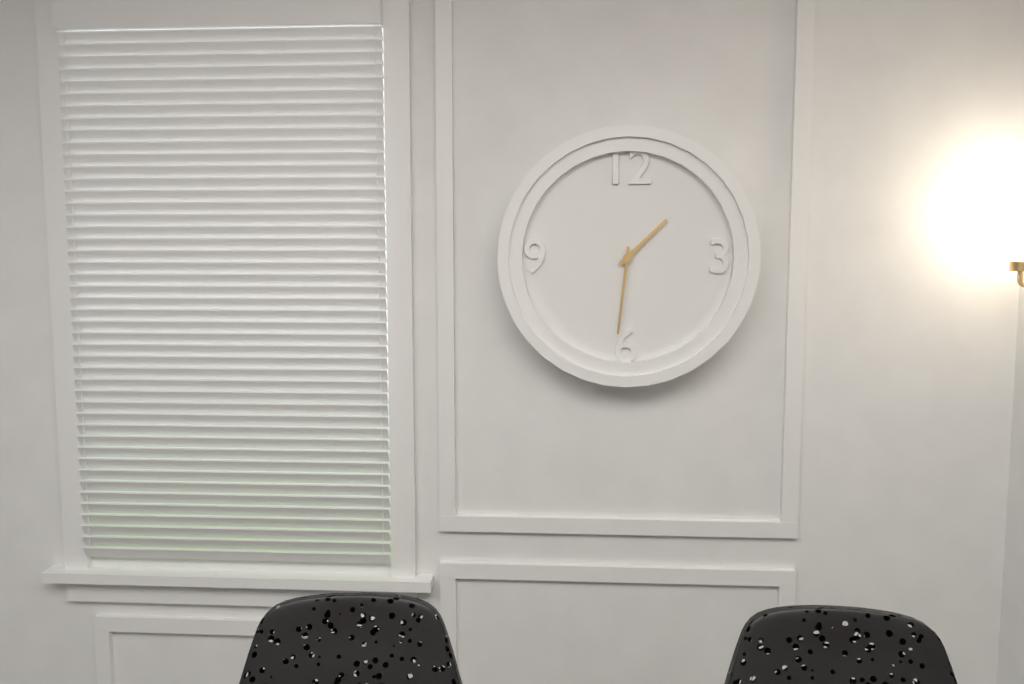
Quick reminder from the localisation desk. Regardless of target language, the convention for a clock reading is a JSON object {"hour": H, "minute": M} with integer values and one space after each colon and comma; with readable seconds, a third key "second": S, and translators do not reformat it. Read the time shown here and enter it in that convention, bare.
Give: {"hour": 1, "minute": 31}
